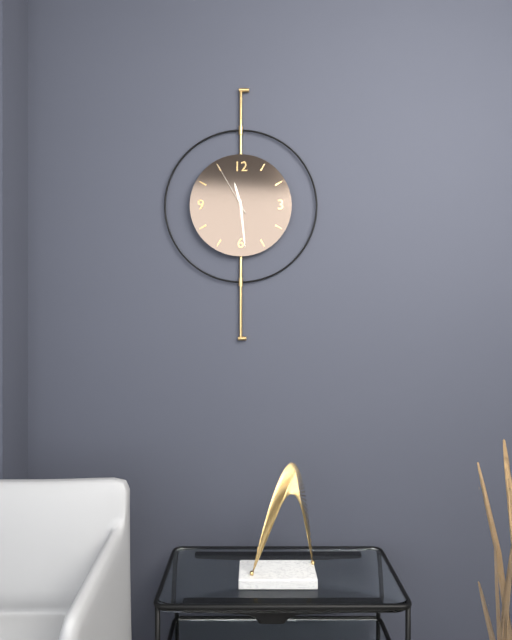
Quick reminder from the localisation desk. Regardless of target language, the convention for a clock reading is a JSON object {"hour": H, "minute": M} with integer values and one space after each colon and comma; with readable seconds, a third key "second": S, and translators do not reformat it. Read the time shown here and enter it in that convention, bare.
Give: {"hour": 11, "minute": 29, "second": 55}
